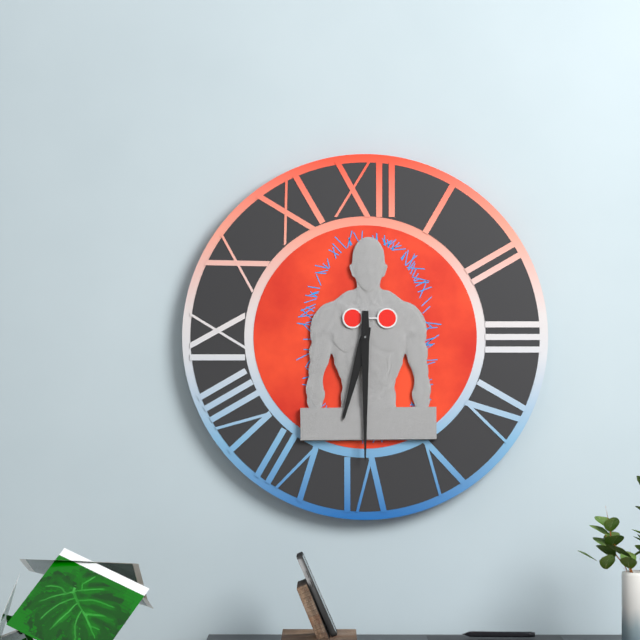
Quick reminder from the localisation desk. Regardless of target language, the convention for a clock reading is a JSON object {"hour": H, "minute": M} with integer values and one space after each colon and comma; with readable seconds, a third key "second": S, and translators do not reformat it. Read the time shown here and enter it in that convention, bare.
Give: {"hour": 6, "minute": 30}
